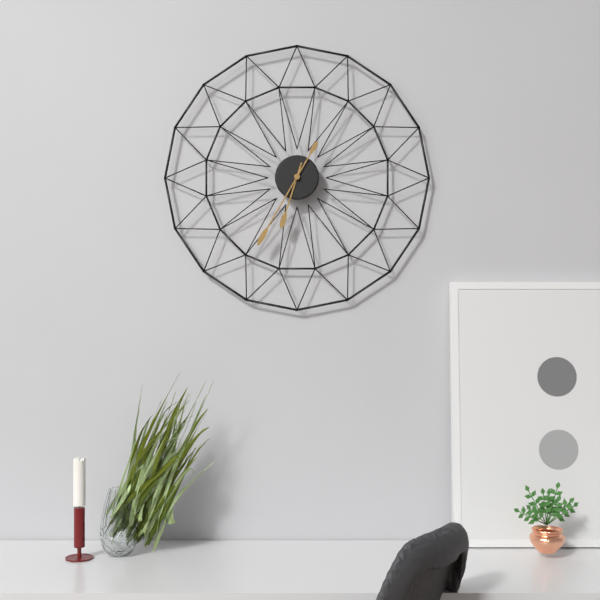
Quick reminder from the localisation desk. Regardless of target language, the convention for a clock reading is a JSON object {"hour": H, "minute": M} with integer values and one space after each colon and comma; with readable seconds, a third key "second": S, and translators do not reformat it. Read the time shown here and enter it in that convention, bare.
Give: {"hour": 6, "minute": 35}
